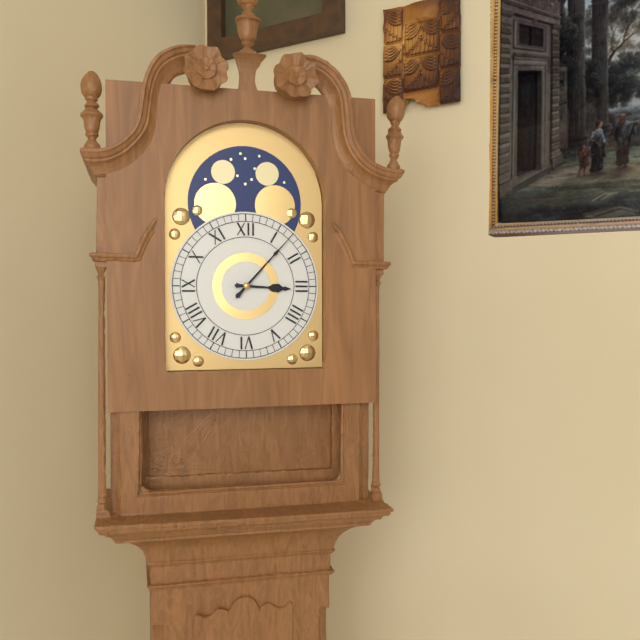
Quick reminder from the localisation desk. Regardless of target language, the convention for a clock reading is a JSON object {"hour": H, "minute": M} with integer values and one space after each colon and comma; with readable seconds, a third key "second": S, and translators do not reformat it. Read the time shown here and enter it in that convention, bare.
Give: {"hour": 3, "minute": 7}
